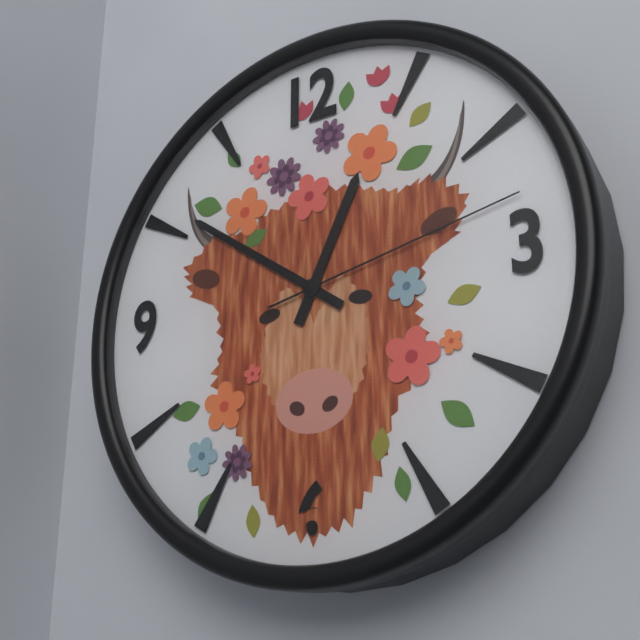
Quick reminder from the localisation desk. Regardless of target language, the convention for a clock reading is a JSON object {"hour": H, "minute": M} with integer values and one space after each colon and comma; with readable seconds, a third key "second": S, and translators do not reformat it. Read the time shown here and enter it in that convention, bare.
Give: {"hour": 12, "minute": 51, "second": 13}
